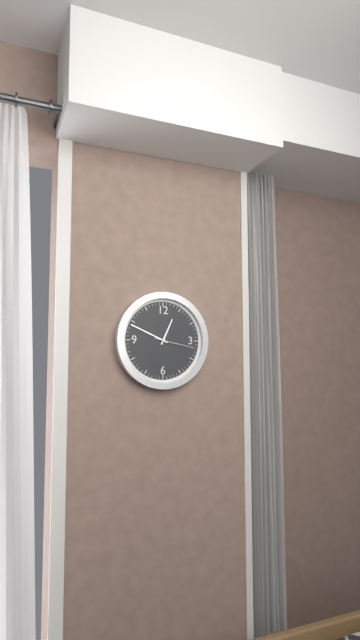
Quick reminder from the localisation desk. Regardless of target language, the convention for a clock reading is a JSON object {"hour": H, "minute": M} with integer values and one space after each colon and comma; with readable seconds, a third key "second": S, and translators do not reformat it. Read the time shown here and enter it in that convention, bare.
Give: {"hour": 12, "minute": 49}
